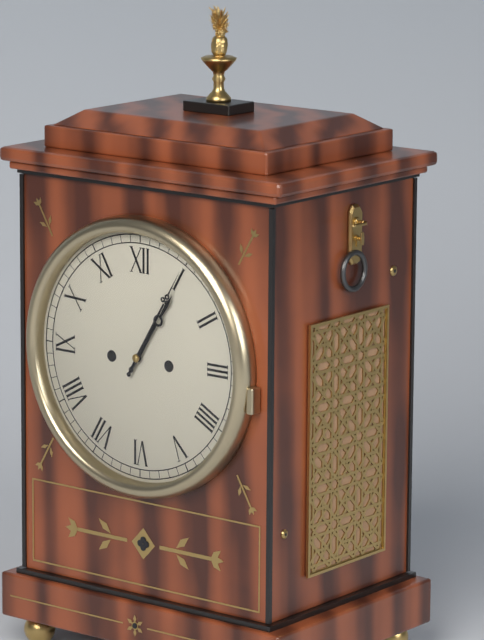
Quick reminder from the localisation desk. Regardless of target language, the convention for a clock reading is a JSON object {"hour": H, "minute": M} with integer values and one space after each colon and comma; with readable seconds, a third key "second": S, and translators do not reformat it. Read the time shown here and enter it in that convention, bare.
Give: {"hour": 1, "minute": 5}
